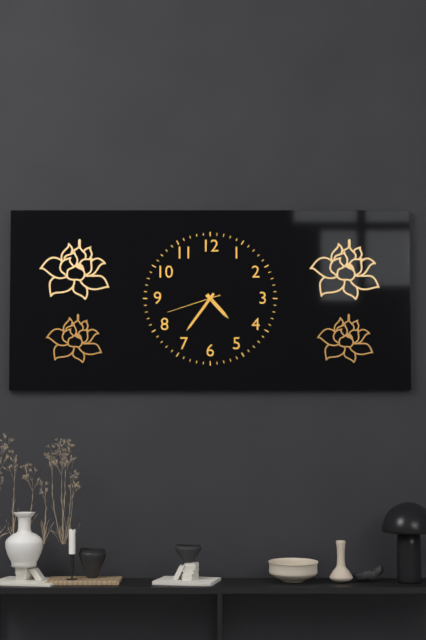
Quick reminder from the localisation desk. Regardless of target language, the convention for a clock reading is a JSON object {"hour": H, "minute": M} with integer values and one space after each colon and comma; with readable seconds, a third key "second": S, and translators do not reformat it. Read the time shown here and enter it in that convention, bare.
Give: {"hour": 4, "minute": 36, "second": 42}
